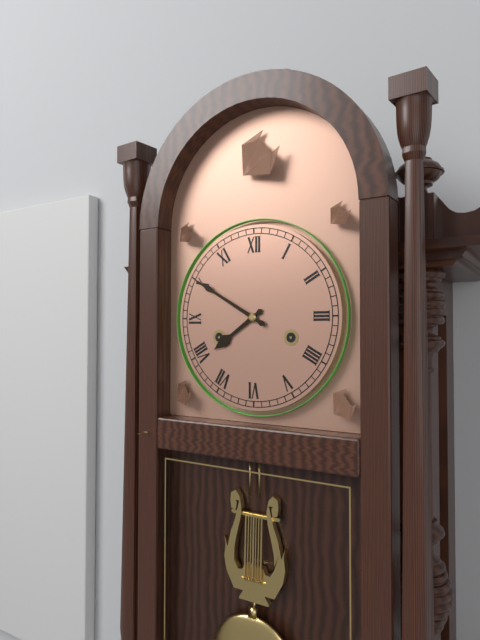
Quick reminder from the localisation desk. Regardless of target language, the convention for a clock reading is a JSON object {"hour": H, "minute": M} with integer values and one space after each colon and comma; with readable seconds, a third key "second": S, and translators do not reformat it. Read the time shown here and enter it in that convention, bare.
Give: {"hour": 7, "minute": 50}
